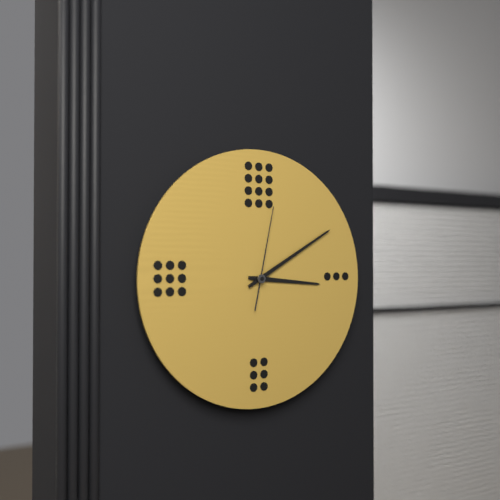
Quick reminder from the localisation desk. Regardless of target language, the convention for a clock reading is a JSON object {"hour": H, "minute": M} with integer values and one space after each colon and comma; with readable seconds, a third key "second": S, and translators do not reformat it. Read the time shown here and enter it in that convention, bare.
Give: {"hour": 3, "minute": 10, "second": 2}
